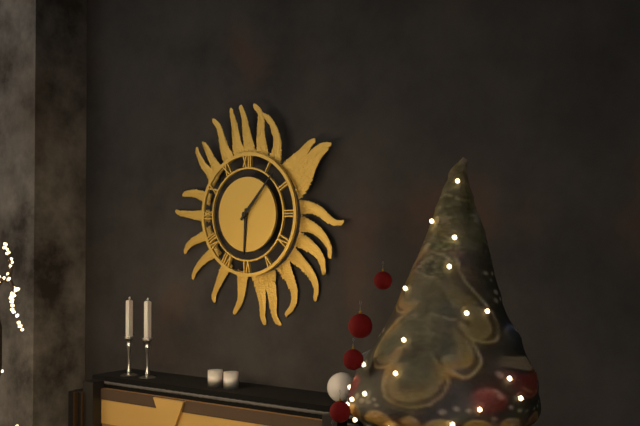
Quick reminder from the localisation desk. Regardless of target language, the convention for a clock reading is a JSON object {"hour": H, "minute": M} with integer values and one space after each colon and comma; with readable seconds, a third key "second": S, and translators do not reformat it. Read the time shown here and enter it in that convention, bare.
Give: {"hour": 6, "minute": 7}
